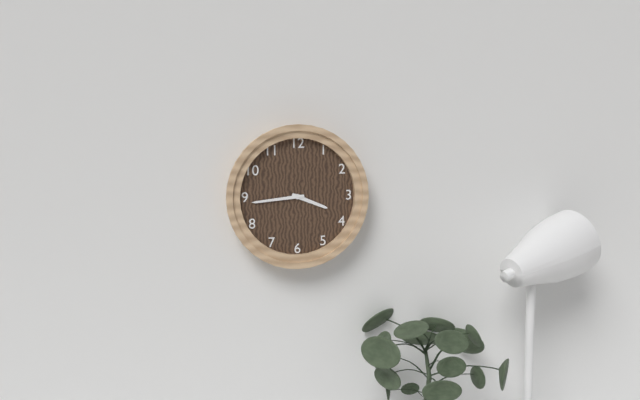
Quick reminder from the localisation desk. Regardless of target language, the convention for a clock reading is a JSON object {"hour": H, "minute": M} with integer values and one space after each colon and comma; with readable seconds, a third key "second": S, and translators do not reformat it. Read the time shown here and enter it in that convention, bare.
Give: {"hour": 3, "minute": 44}
